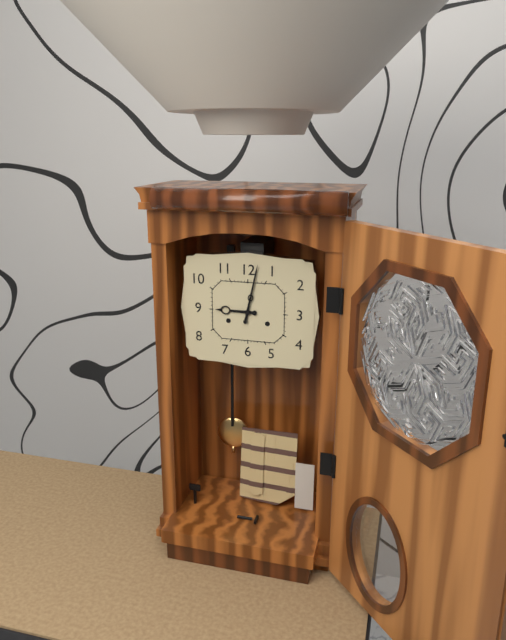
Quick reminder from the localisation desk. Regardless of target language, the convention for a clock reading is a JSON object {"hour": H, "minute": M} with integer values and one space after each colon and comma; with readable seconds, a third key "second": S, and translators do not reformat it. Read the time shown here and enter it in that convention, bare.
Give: {"hour": 9, "minute": 2}
